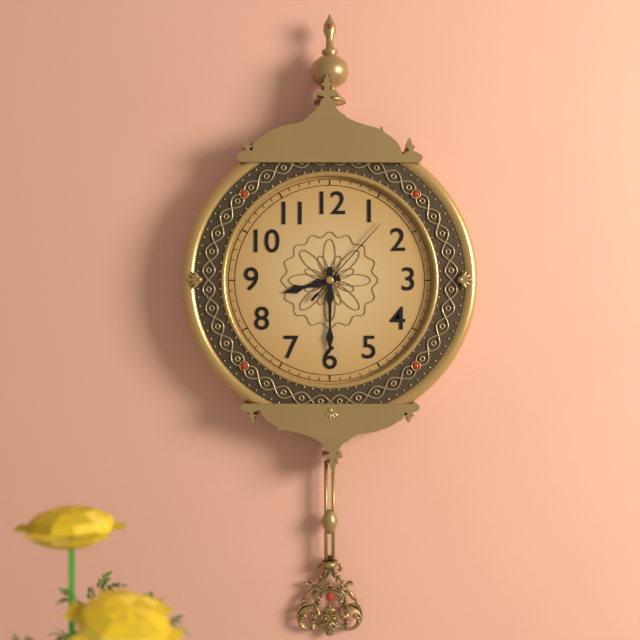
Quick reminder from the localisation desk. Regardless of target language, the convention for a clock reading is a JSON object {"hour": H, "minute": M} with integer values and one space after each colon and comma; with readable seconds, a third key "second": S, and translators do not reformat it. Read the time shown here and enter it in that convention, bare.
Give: {"hour": 8, "minute": 30, "second": 7}
